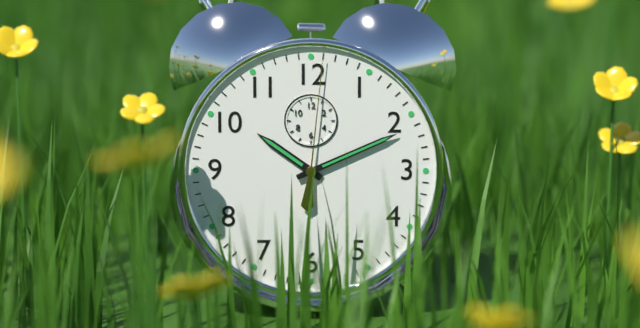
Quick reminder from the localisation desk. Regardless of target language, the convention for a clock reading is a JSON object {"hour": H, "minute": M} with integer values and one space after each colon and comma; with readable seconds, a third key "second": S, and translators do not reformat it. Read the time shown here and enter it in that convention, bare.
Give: {"hour": 10, "minute": 11, "second": 1}
